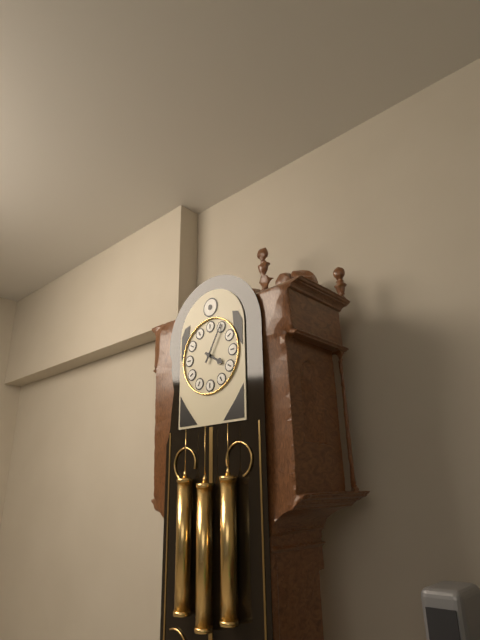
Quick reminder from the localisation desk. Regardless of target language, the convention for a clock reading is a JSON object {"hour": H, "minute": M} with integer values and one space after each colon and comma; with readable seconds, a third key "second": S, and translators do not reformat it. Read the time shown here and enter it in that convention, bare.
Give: {"hour": 4, "minute": 5}
